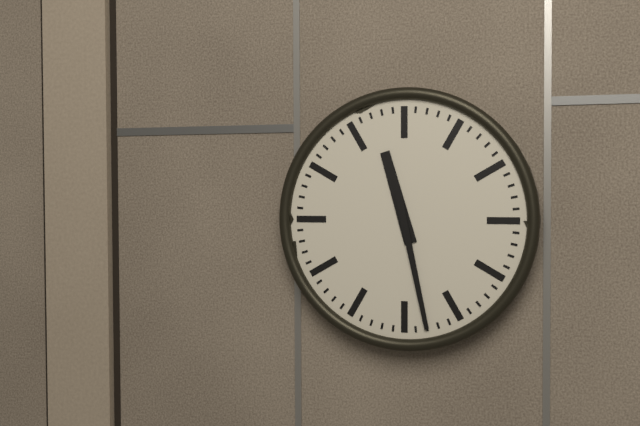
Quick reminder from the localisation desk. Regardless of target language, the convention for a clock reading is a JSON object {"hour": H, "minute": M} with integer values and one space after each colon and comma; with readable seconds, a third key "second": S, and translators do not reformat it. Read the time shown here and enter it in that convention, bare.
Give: {"hour": 11, "minute": 28}
